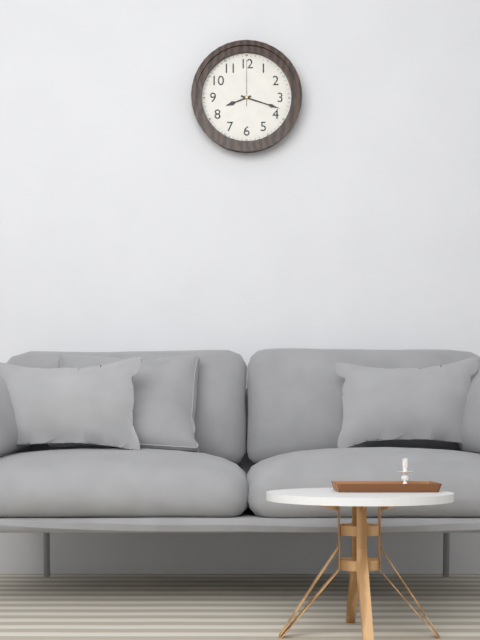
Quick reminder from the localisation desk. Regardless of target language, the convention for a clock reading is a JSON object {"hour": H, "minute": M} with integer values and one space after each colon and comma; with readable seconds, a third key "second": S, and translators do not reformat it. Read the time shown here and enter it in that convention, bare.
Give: {"hour": 8, "minute": 18}
